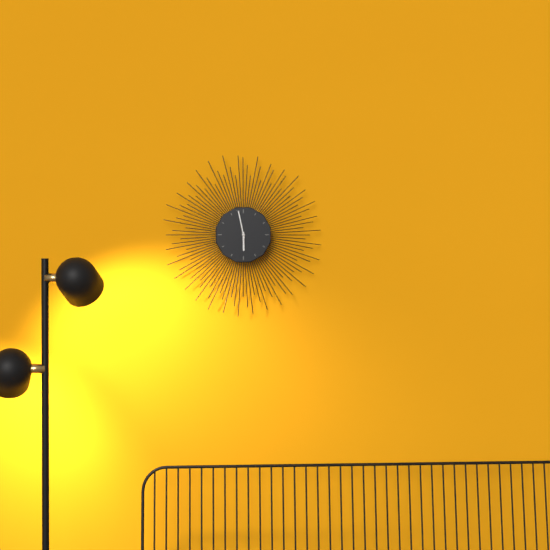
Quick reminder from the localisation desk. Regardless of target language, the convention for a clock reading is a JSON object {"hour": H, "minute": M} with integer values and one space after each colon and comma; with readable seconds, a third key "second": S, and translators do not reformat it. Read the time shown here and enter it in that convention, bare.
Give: {"hour": 5, "minute": 58}
